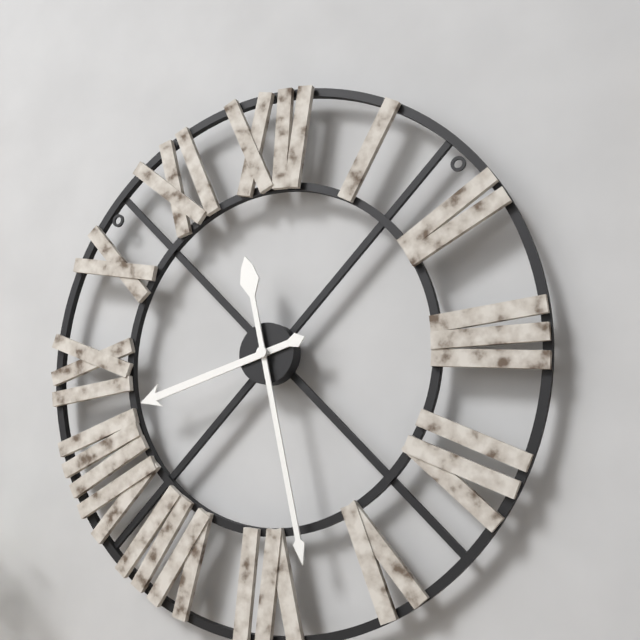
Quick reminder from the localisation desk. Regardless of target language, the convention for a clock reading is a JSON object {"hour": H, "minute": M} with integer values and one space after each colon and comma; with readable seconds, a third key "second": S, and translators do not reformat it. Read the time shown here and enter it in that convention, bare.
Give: {"hour": 8, "minute": 28}
